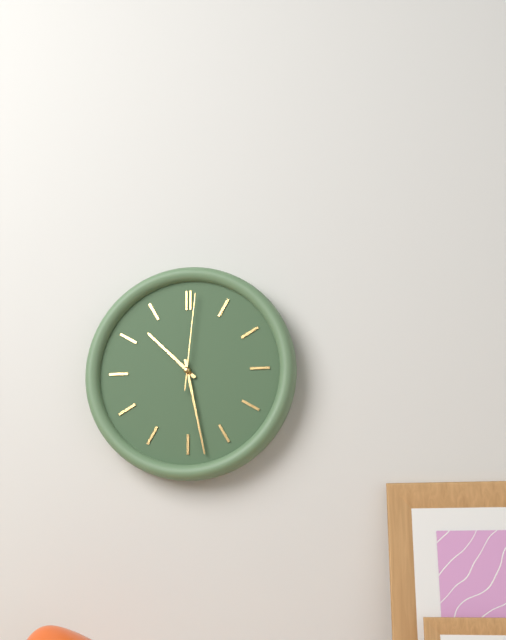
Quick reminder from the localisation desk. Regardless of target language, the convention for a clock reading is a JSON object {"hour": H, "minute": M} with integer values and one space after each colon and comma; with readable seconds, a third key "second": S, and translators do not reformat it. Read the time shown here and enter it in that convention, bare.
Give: {"hour": 10, "minute": 28, "second": 1}
